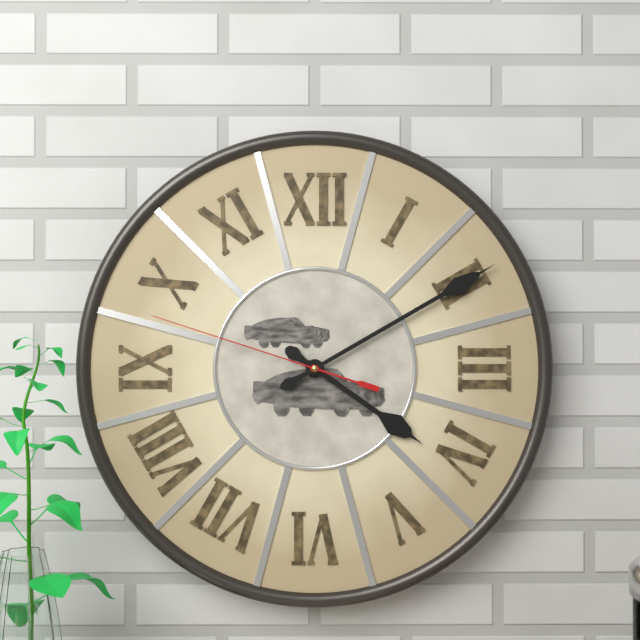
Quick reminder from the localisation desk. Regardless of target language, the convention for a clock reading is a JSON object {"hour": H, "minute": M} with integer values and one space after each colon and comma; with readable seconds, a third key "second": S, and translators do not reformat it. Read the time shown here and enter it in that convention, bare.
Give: {"hour": 4, "minute": 10, "second": 48}
